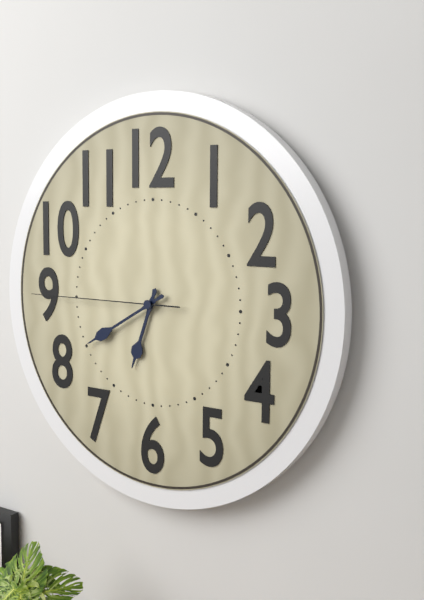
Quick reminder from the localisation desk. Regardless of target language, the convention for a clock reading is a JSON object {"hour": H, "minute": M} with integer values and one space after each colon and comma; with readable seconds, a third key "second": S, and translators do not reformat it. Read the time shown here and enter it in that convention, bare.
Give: {"hour": 6, "minute": 40, "second": 45}
